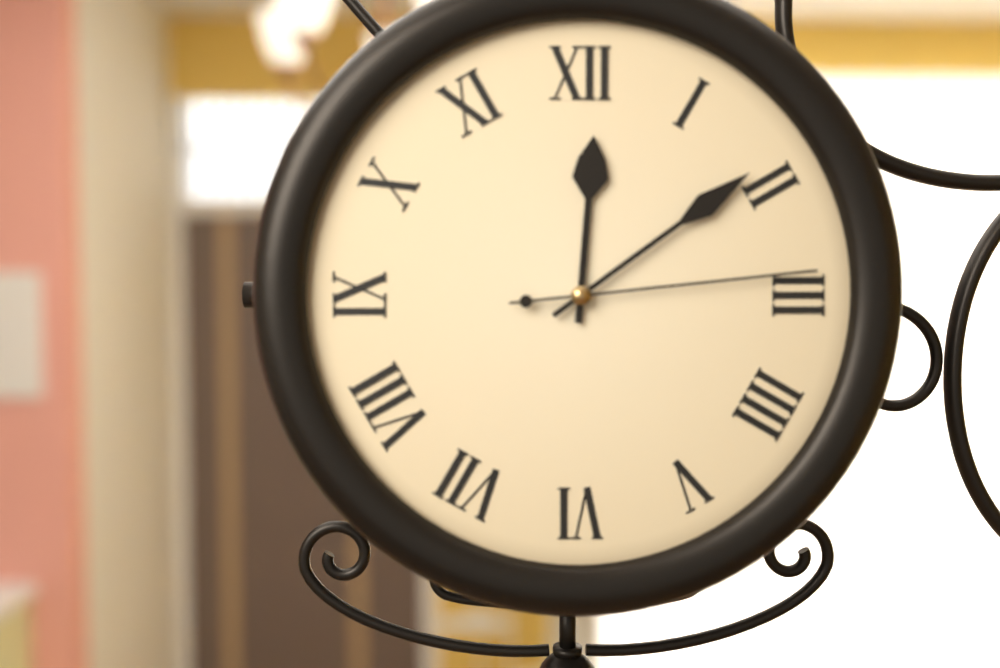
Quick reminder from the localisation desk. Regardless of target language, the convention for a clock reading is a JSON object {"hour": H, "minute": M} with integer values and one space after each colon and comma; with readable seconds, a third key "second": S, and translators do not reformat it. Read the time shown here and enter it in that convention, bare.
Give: {"hour": 12, "minute": 9, "second": 14}
